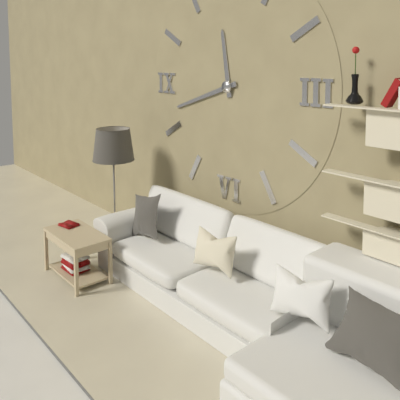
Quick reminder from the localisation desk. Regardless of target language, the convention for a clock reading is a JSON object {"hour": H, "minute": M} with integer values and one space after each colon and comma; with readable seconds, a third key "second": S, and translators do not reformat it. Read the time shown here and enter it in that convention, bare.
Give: {"hour": 11, "minute": 42}
